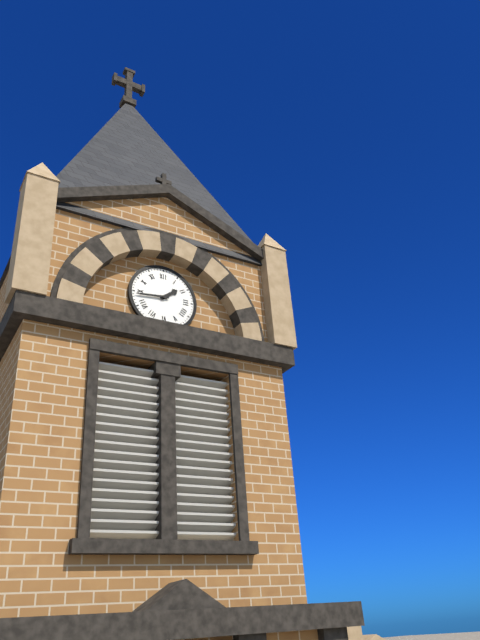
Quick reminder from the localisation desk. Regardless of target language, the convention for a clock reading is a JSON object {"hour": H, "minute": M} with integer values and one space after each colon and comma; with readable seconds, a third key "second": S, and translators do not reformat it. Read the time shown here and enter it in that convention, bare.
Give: {"hour": 1, "minute": 44}
